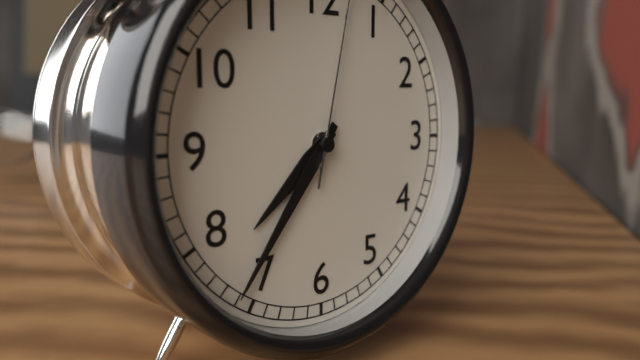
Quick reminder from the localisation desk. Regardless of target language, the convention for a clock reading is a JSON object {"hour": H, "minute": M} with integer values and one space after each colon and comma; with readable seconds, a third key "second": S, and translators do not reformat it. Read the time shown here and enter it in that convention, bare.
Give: {"hour": 7, "minute": 36}
